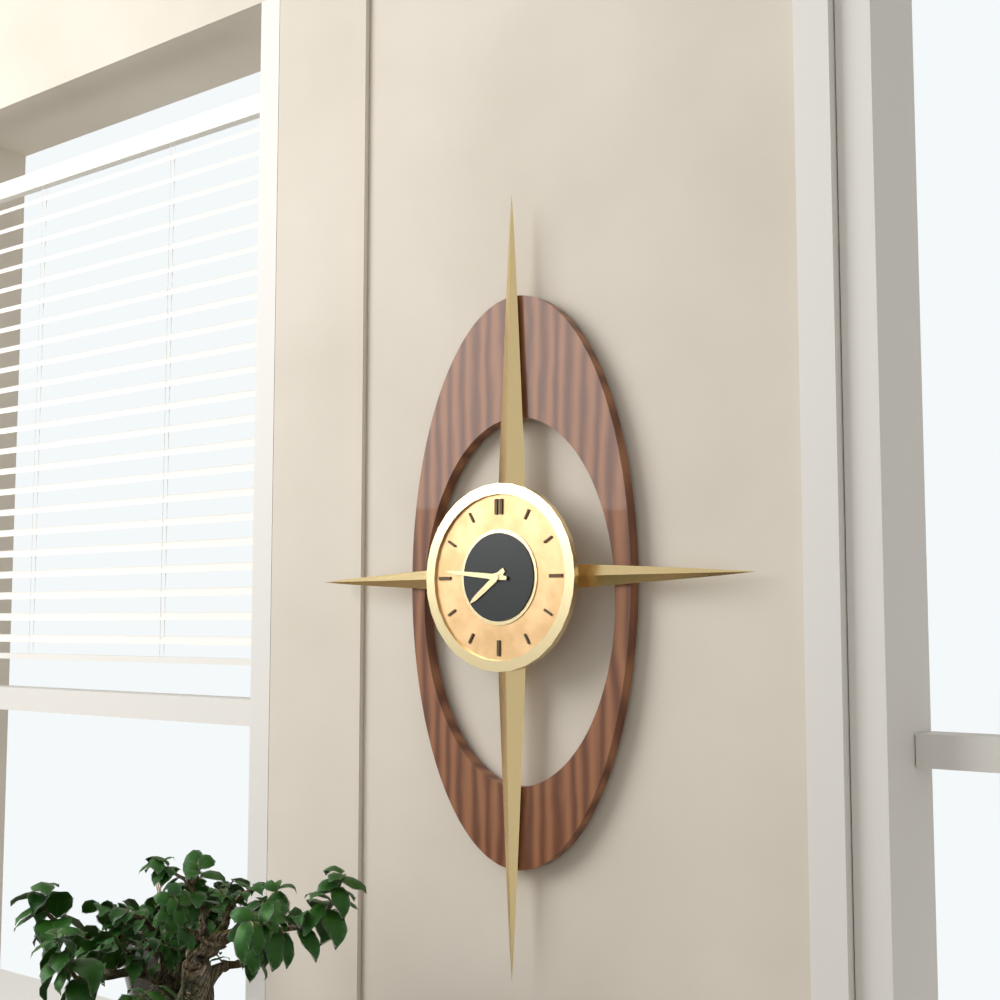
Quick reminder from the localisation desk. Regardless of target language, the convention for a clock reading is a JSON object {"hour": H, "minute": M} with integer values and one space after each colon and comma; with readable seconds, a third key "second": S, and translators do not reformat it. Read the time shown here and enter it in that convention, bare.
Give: {"hour": 7, "minute": 46}
